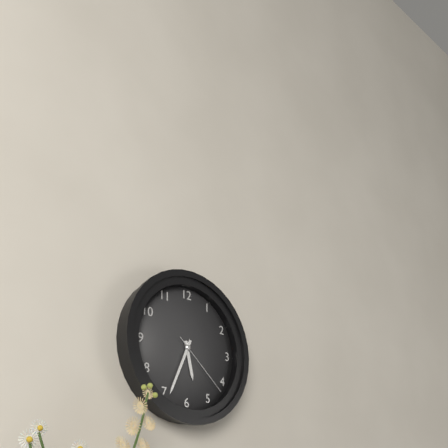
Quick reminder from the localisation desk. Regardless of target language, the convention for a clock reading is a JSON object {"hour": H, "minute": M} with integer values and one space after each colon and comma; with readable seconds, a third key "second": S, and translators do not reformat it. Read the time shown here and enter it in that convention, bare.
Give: {"hour": 5, "minute": 34, "second": 22}
